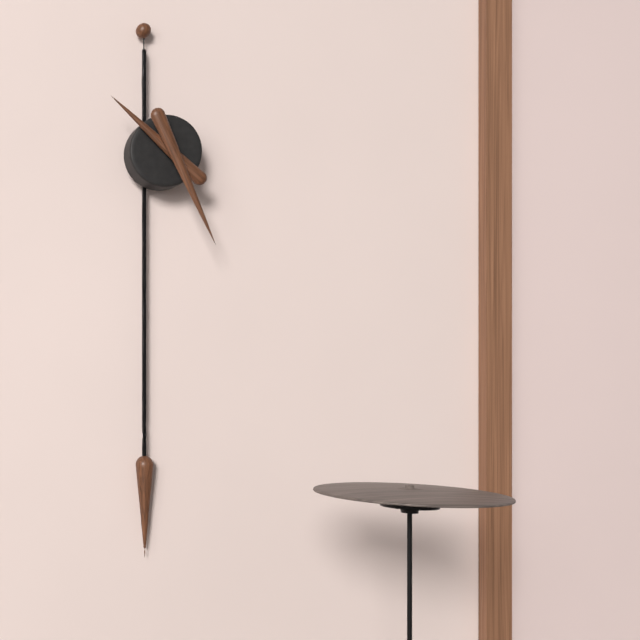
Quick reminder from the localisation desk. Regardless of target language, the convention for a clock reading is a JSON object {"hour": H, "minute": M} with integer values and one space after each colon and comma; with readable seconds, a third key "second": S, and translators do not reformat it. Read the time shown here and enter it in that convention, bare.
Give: {"hour": 10, "minute": 26}
